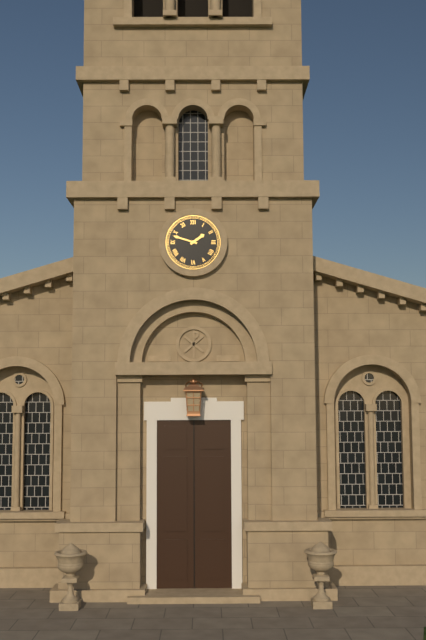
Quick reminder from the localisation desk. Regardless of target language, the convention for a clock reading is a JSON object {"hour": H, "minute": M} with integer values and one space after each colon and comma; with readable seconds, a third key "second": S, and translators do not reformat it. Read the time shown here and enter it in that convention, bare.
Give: {"hour": 1, "minute": 48}
